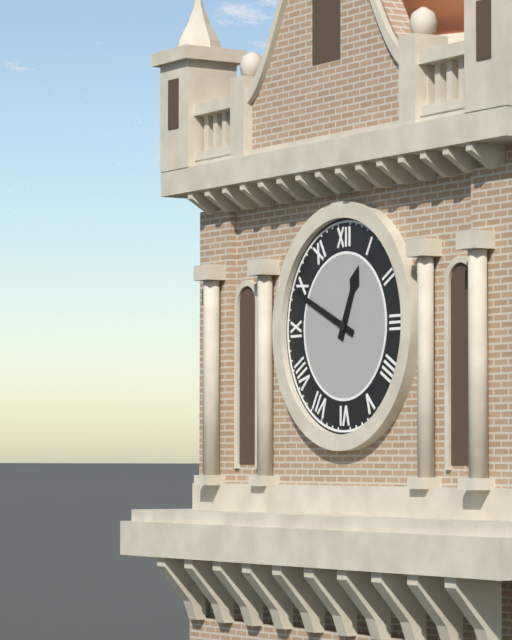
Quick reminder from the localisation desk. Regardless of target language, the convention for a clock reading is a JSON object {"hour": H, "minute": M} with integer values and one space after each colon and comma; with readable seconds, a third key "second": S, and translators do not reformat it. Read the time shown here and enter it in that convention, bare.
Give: {"hour": 12, "minute": 49}
